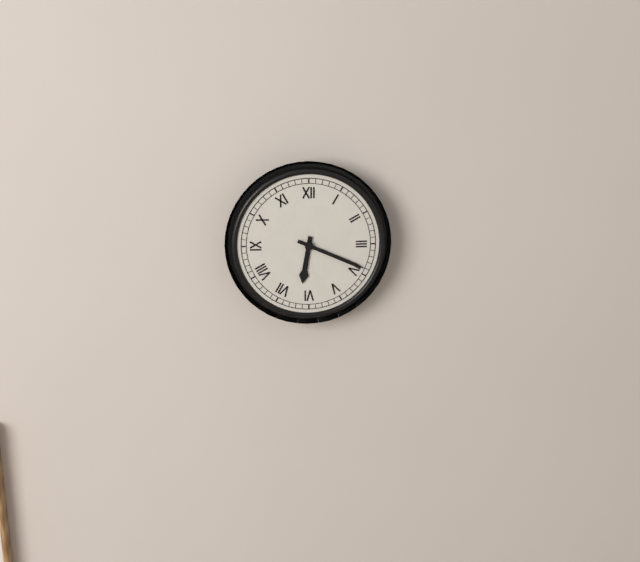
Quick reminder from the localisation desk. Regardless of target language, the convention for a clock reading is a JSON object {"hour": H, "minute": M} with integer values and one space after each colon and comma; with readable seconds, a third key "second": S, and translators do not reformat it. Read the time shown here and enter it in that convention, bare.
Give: {"hour": 6, "minute": 19}
